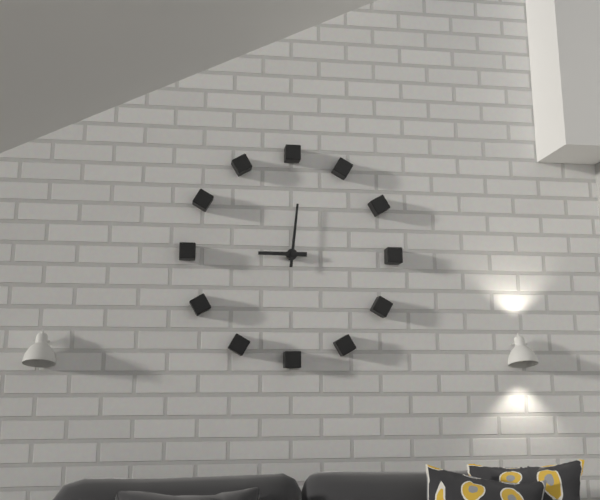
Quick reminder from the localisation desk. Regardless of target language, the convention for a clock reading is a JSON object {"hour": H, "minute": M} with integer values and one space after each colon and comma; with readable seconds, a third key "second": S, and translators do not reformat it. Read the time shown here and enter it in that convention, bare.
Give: {"hour": 9, "minute": 1}
